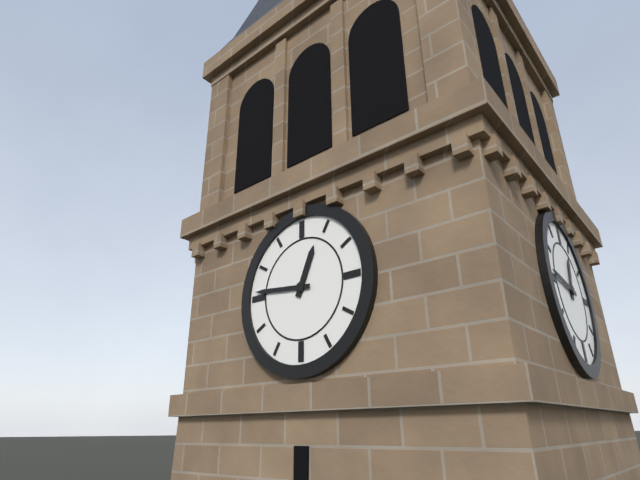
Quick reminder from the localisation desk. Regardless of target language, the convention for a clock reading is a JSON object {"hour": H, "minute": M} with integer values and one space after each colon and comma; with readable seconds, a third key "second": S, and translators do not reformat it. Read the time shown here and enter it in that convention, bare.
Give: {"hour": 12, "minute": 46}
